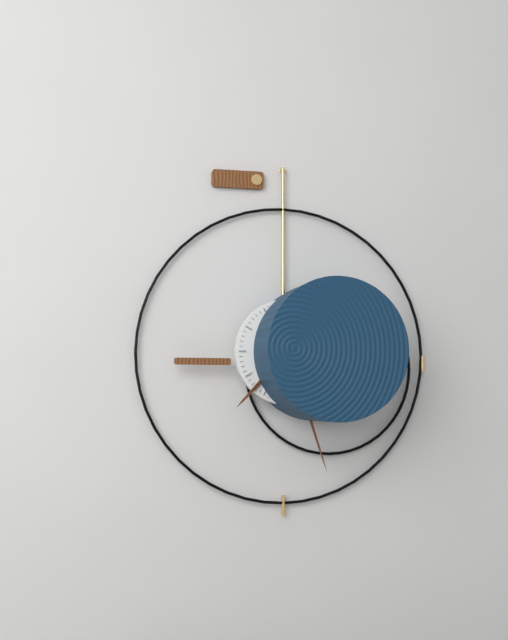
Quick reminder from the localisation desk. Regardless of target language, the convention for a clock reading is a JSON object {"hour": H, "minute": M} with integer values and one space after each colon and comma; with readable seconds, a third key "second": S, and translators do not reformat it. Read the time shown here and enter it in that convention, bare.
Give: {"hour": 7, "minute": 27}
